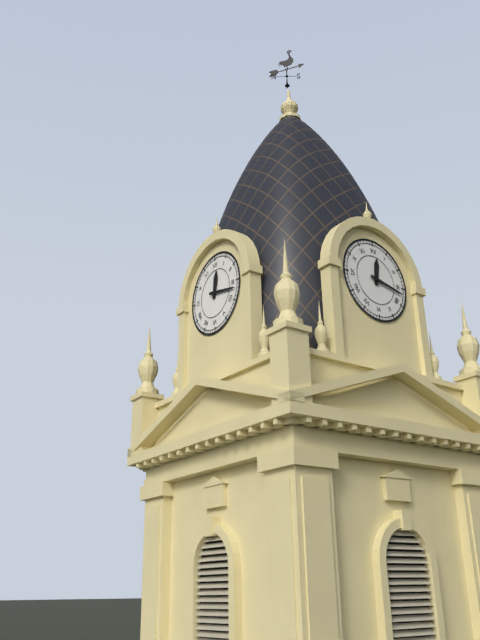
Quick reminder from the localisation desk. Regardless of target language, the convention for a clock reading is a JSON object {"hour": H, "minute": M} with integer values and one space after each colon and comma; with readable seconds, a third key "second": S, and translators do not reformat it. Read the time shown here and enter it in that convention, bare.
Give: {"hour": 12, "minute": 17}
